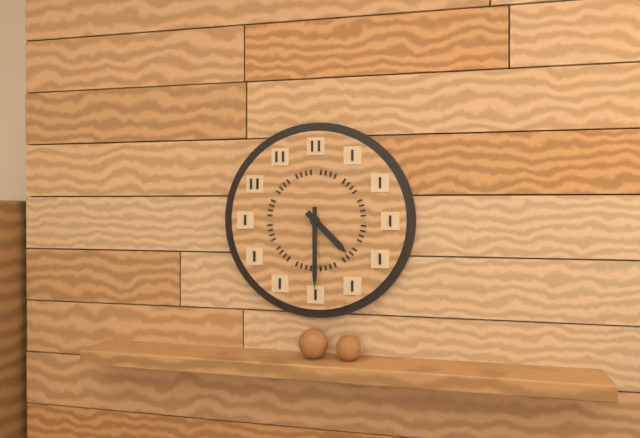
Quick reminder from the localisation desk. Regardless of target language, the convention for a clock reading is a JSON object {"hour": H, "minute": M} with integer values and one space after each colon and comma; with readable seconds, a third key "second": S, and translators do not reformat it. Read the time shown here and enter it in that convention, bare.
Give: {"hour": 4, "minute": 30}
